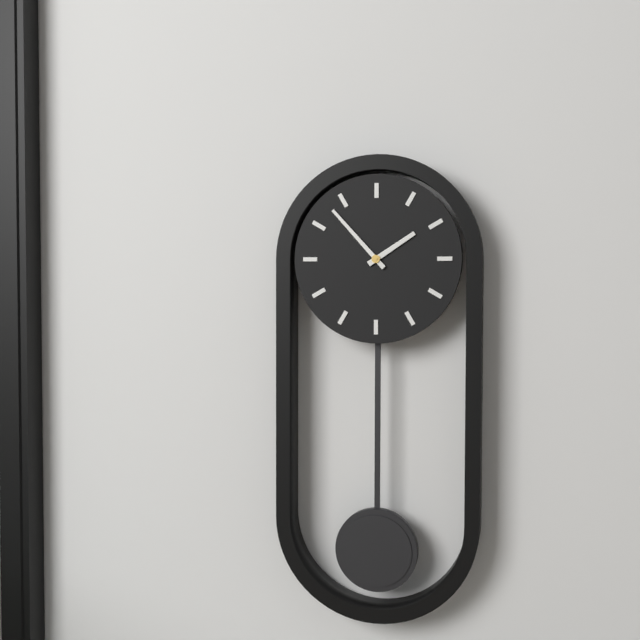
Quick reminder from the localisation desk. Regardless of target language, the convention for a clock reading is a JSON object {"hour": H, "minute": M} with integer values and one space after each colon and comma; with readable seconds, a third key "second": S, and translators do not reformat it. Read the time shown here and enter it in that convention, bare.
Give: {"hour": 1, "minute": 53}
